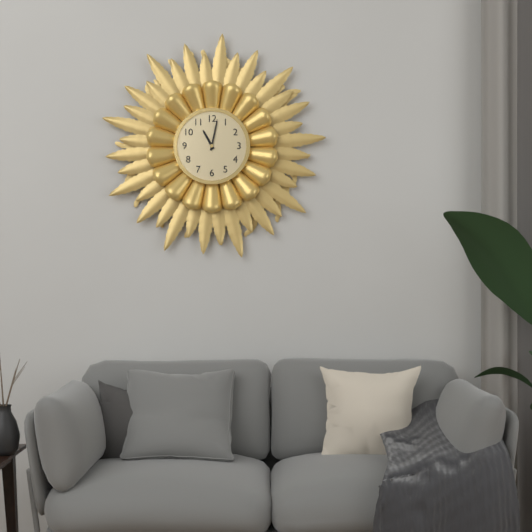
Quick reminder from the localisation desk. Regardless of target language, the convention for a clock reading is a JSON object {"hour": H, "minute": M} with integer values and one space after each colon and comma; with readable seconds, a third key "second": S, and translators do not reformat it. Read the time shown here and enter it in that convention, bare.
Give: {"hour": 11, "minute": 2}
